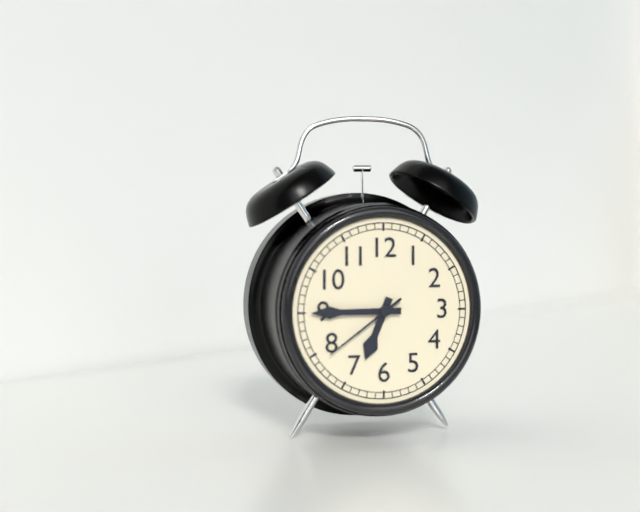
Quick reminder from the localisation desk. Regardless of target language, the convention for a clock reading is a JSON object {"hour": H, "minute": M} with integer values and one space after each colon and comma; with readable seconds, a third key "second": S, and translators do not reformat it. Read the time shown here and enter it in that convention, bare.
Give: {"hour": 6, "minute": 45, "second": 39}
